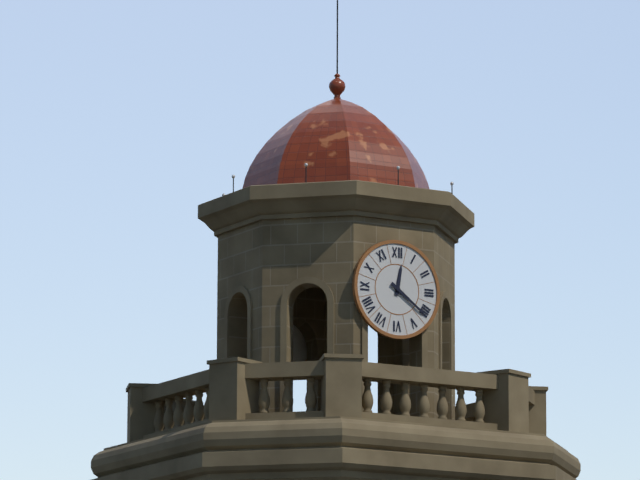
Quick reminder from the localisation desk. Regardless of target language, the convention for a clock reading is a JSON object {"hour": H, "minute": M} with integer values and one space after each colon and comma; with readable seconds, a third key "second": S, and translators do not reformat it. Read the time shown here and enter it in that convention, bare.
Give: {"hour": 12, "minute": 21}
